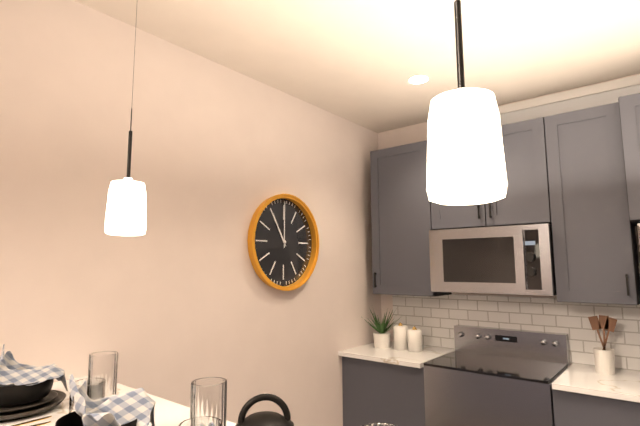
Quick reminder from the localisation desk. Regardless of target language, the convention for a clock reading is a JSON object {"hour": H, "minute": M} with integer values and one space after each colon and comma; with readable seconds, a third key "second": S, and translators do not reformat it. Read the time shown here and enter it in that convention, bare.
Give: {"hour": 11, "minute": 0}
